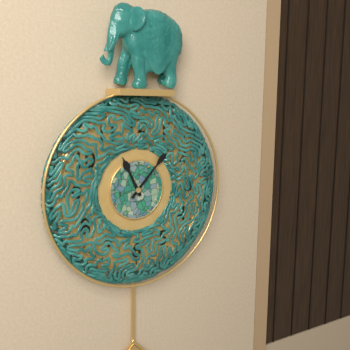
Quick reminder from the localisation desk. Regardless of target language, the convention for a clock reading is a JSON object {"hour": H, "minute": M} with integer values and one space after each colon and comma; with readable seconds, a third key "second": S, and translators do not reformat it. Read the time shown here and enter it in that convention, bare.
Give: {"hour": 11, "minute": 7}
